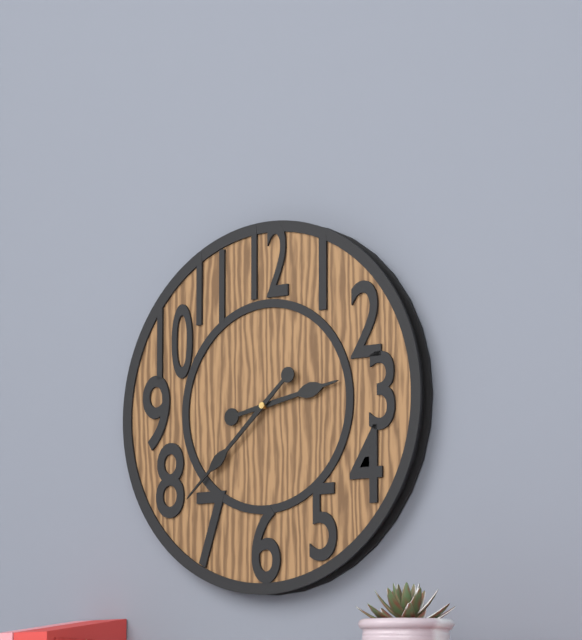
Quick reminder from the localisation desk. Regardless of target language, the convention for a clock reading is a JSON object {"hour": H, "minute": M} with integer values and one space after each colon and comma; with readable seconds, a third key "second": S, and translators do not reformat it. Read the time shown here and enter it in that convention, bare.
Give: {"hour": 2, "minute": 38}
